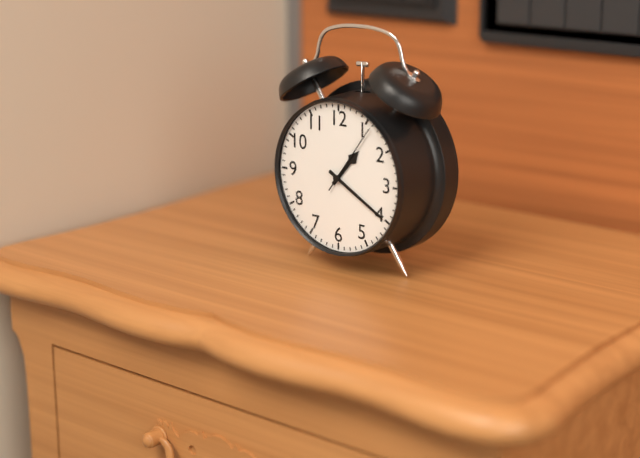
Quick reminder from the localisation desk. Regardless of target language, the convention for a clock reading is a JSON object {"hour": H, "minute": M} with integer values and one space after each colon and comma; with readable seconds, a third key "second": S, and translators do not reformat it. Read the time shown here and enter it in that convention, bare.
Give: {"hour": 1, "minute": 20, "second": 6}
